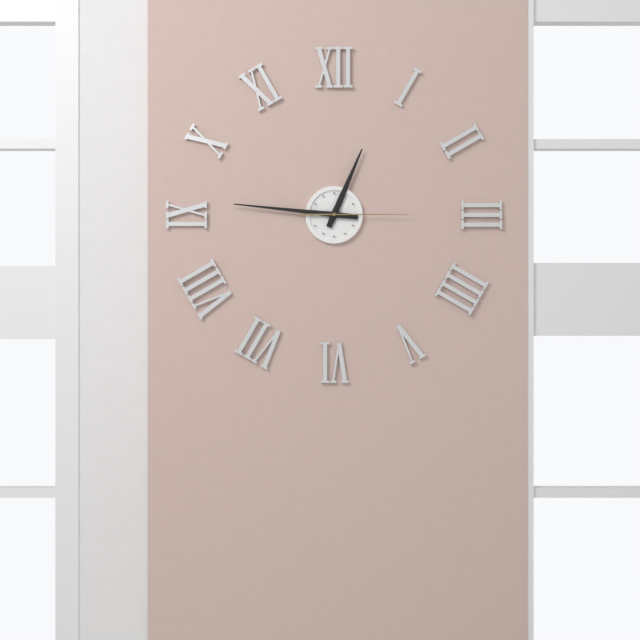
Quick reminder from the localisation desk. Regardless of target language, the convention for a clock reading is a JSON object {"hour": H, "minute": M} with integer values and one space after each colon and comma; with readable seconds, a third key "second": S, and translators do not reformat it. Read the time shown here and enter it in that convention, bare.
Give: {"hour": 12, "minute": 46, "second": 15}
